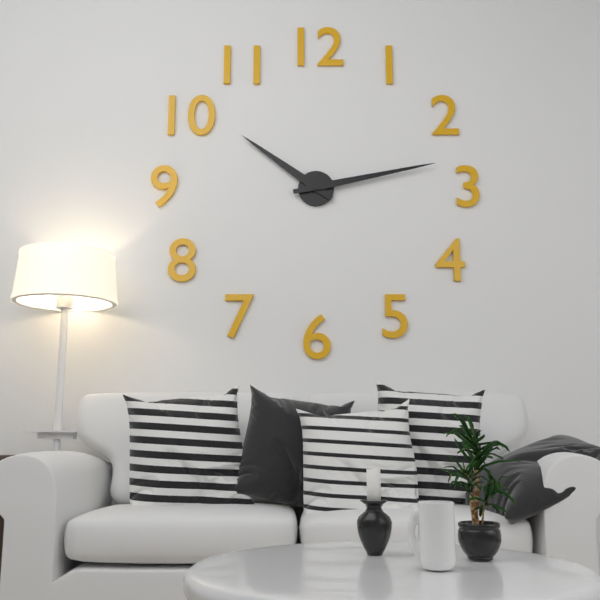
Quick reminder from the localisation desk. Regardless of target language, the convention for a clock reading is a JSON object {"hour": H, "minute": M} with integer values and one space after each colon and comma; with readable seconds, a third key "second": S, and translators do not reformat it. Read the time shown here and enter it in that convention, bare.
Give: {"hour": 10, "minute": 13}
